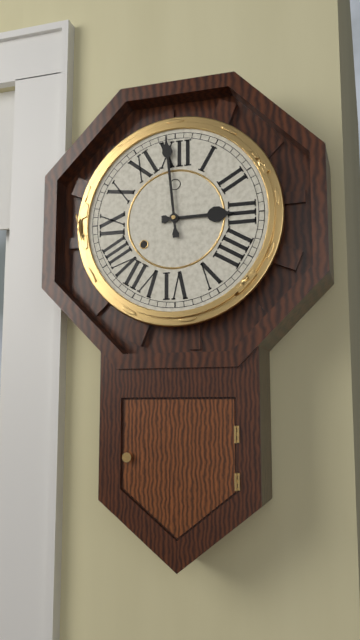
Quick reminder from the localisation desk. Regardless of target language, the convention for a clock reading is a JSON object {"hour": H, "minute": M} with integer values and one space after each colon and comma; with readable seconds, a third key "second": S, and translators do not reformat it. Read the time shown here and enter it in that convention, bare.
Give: {"hour": 2, "minute": 59}
